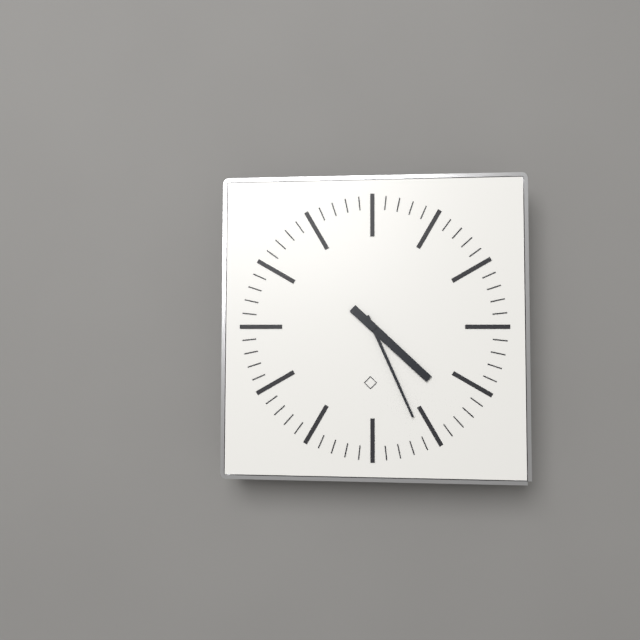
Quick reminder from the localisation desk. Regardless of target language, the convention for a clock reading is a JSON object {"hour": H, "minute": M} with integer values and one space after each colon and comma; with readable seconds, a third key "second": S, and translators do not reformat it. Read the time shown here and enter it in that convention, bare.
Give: {"hour": 4, "minute": 26}
